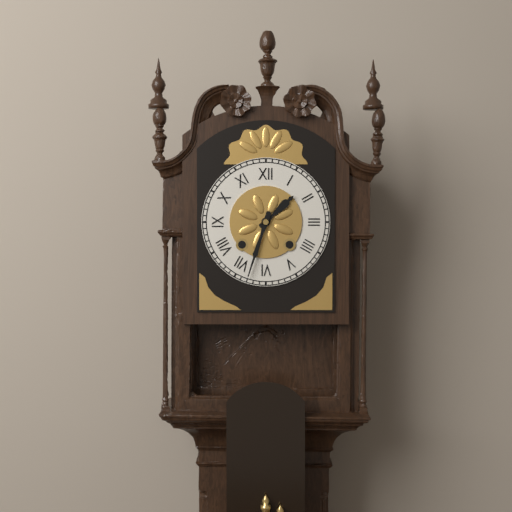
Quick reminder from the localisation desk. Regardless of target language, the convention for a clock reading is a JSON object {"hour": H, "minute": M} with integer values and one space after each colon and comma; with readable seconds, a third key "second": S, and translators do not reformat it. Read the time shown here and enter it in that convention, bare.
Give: {"hour": 1, "minute": 33}
